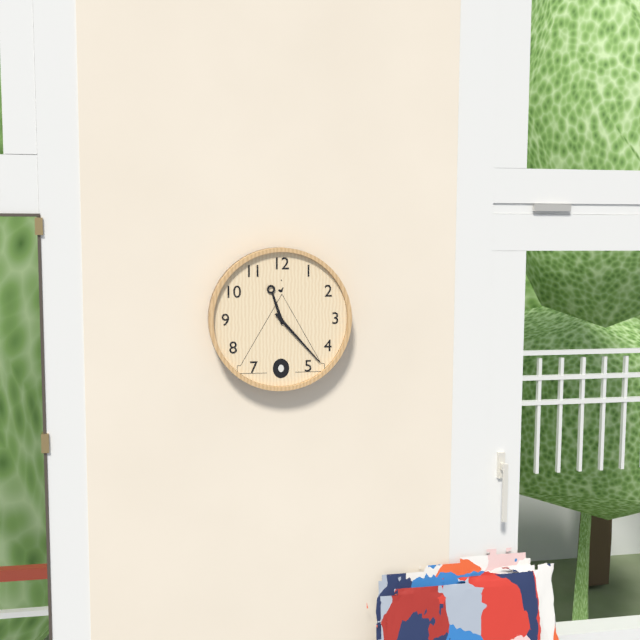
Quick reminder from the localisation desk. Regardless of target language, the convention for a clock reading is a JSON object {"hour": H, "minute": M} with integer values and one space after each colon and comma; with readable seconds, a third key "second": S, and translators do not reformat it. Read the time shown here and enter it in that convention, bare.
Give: {"hour": 11, "minute": 23}
